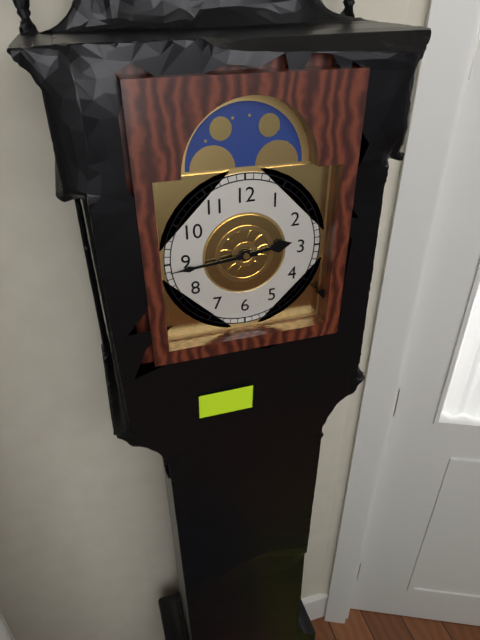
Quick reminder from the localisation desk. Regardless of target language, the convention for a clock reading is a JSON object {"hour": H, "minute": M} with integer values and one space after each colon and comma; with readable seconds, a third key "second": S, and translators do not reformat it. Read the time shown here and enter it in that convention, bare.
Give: {"hour": 2, "minute": 44}
